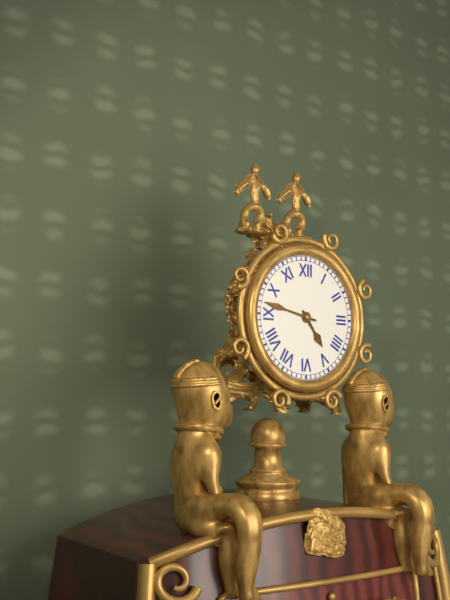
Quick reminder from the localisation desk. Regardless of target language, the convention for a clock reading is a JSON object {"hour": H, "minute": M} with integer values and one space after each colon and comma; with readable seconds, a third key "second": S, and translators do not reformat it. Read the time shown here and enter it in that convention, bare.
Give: {"hour": 4, "minute": 47}
